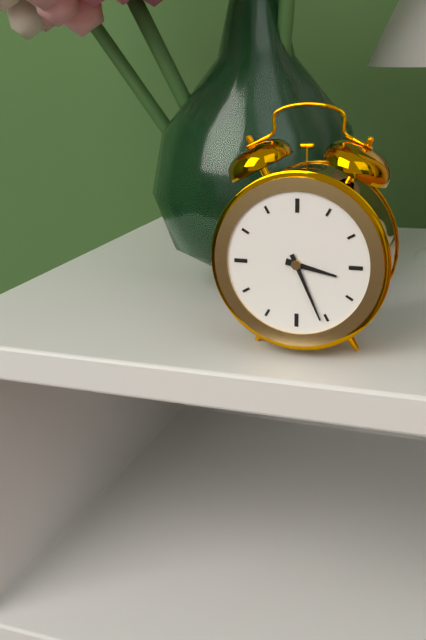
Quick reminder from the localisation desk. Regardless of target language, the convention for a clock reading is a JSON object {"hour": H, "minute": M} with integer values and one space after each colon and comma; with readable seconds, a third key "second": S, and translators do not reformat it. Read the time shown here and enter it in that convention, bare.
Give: {"hour": 3, "minute": 26}
